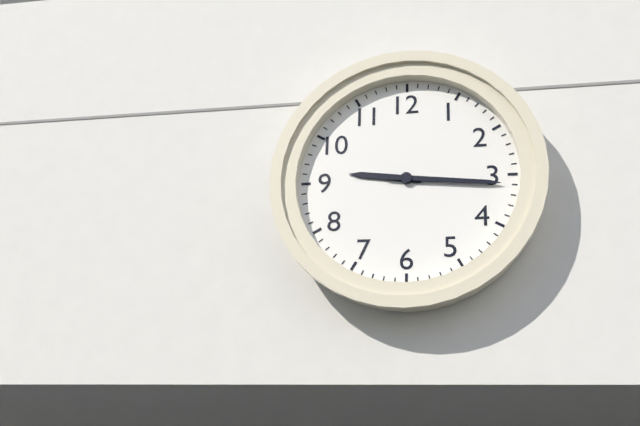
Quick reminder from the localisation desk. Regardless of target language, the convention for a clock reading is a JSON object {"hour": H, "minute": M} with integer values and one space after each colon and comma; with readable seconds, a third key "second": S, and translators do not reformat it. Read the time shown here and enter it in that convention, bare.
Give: {"hour": 9, "minute": 16}
